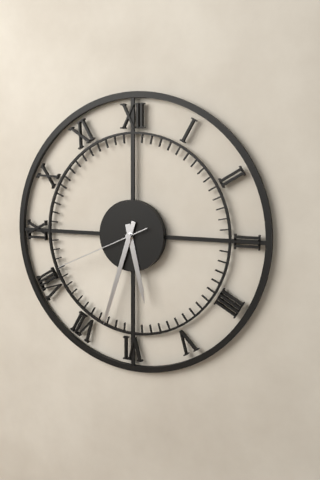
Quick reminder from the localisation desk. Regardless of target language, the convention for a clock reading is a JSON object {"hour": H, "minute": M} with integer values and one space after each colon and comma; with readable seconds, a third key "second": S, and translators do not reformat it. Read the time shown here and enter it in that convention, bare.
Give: {"hour": 5, "minute": 33, "second": 41}
